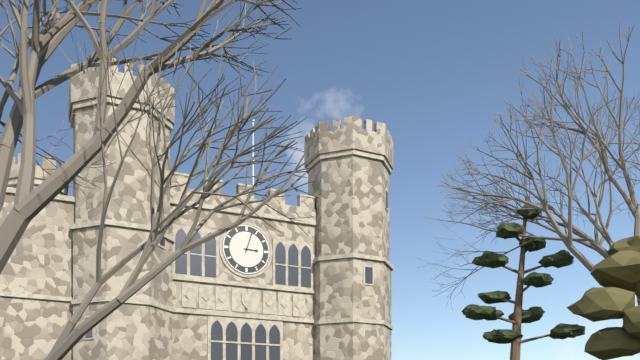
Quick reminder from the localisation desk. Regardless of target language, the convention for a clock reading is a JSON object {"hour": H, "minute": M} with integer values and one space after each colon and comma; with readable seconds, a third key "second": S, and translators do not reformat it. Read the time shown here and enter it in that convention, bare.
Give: {"hour": 3, "minute": 3}
